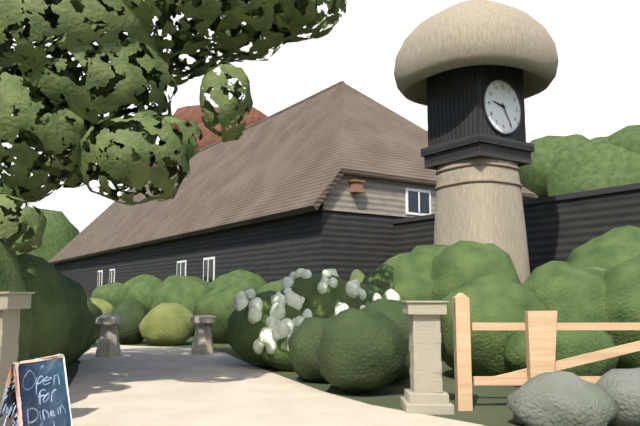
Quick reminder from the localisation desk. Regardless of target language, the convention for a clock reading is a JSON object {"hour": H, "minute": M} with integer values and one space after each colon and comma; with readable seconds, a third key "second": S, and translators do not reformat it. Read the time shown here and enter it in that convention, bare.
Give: {"hour": 9, "minute": 25}
